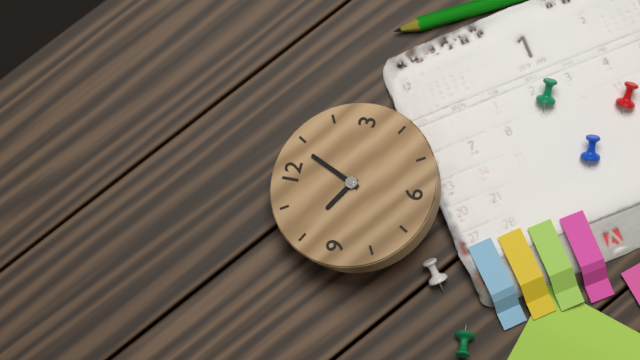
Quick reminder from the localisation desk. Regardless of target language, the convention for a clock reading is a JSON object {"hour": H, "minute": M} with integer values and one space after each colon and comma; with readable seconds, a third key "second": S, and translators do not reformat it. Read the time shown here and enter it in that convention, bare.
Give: {"hour": 10, "minute": 4}
